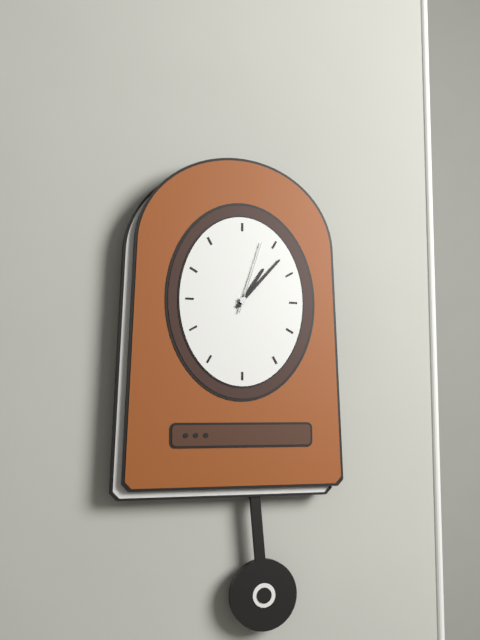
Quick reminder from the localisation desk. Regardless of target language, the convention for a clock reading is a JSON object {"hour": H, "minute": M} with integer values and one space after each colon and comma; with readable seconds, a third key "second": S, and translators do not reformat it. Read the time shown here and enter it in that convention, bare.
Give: {"hour": 1, "minute": 7, "second": 3}
